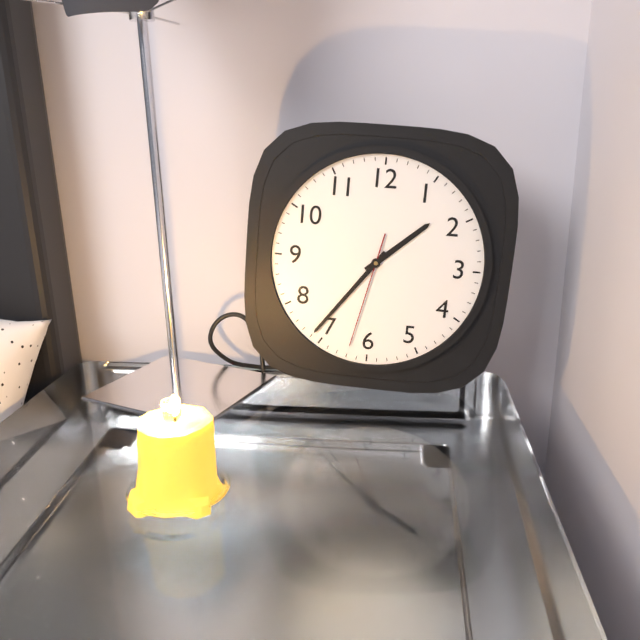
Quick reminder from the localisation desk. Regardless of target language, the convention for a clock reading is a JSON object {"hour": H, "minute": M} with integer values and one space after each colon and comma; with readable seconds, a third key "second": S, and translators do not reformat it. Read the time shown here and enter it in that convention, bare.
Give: {"hour": 1, "minute": 36, "second": 32}
